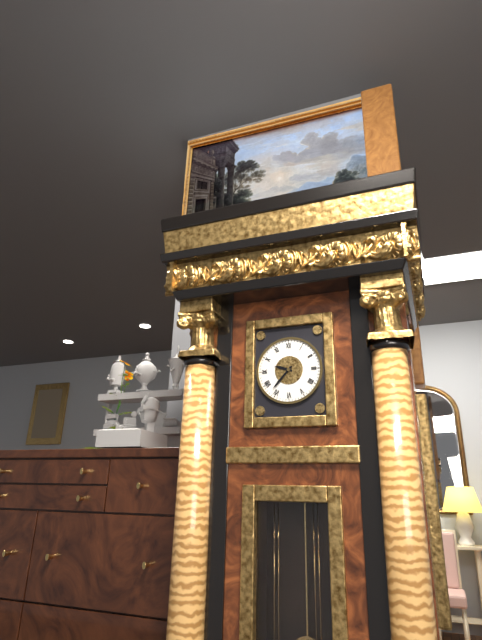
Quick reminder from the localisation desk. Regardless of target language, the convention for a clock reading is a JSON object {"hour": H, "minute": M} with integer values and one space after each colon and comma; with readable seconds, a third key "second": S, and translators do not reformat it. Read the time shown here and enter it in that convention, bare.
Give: {"hour": 9, "minute": 37}
